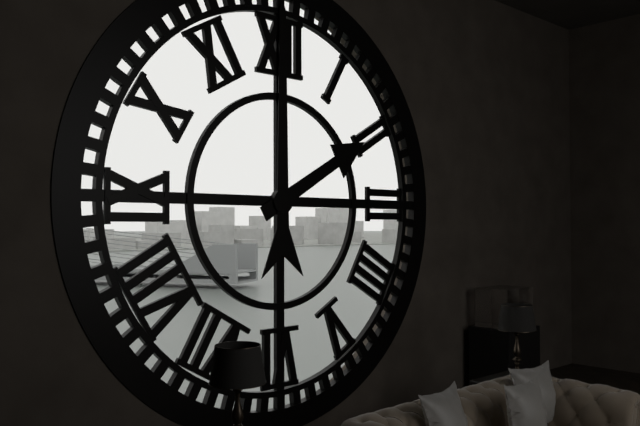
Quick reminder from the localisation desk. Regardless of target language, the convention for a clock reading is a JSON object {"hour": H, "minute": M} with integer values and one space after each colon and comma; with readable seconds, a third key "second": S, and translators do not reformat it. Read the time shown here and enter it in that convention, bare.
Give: {"hour": 2, "minute": 0}
